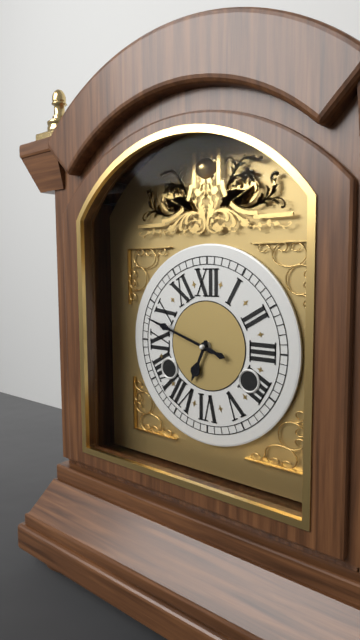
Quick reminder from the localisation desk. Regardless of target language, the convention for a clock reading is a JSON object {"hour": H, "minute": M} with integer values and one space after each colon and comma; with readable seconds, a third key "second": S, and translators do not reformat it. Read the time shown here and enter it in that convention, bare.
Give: {"hour": 6, "minute": 48}
